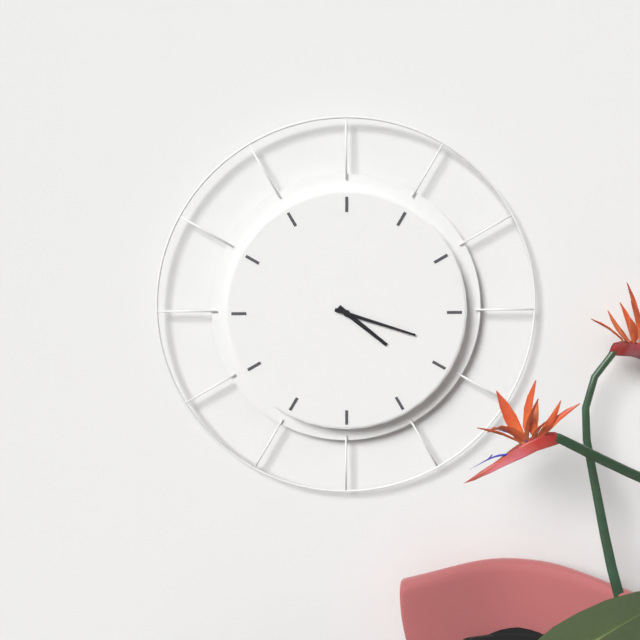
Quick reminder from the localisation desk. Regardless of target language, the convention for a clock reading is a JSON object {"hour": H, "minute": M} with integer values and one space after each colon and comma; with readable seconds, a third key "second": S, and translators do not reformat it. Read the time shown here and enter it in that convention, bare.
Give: {"hour": 4, "minute": 18}
